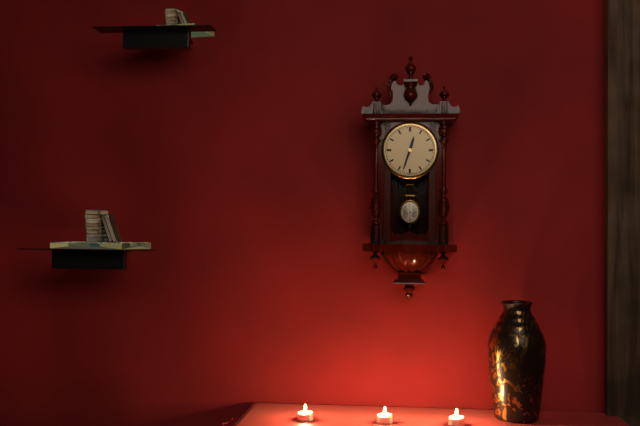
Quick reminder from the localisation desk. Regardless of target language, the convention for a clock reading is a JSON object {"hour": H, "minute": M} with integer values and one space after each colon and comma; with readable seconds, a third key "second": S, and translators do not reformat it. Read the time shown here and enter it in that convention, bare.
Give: {"hour": 12, "minute": 33}
